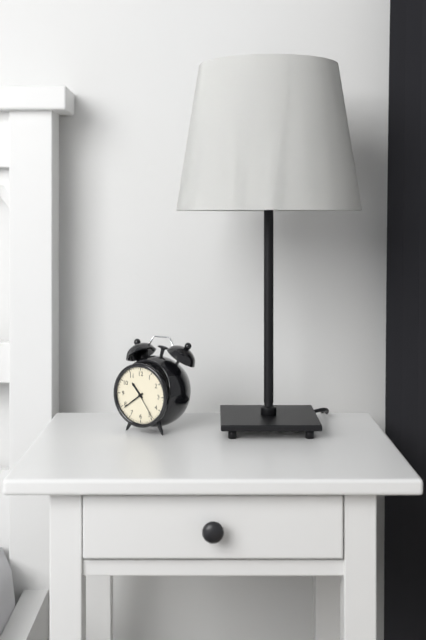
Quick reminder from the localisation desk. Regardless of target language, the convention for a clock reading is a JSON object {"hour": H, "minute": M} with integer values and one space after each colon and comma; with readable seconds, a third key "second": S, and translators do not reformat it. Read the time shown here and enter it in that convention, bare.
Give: {"hour": 10, "minute": 39}
